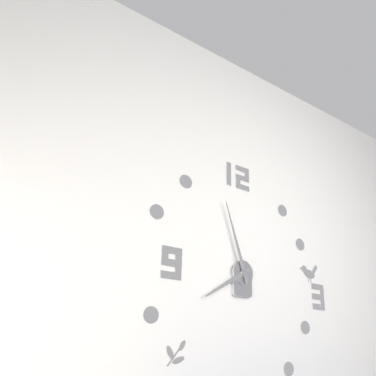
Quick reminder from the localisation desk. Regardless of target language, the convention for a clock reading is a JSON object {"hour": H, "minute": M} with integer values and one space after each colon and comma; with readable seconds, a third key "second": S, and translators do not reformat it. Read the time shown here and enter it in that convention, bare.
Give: {"hour": 7, "minute": 57}
